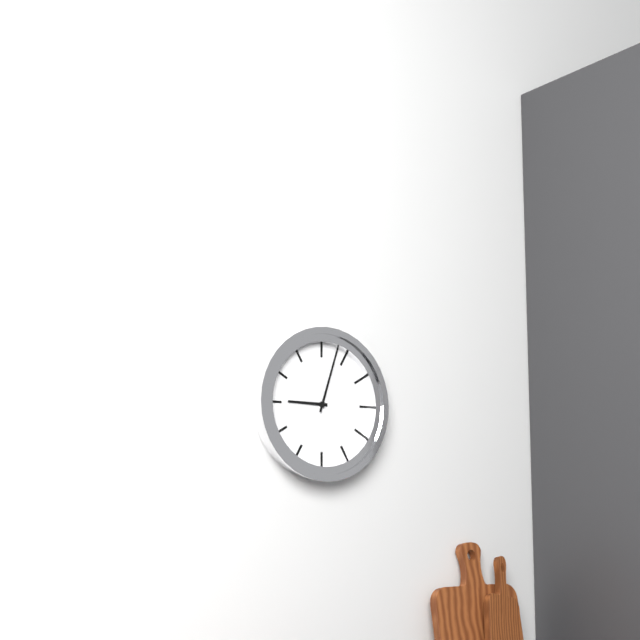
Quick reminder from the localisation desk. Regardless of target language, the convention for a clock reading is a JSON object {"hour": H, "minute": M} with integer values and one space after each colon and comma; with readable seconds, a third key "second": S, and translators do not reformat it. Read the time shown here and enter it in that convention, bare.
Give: {"hour": 9, "minute": 3}
